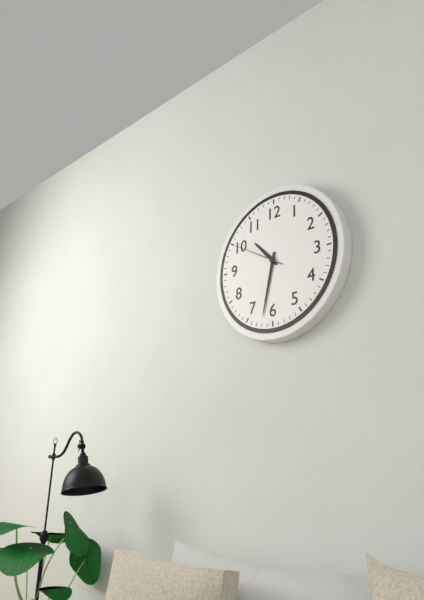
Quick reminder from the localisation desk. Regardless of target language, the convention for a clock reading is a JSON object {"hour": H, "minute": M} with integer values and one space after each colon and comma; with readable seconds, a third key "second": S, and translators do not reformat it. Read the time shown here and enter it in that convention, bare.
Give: {"hour": 10, "minute": 32, "second": 50}
